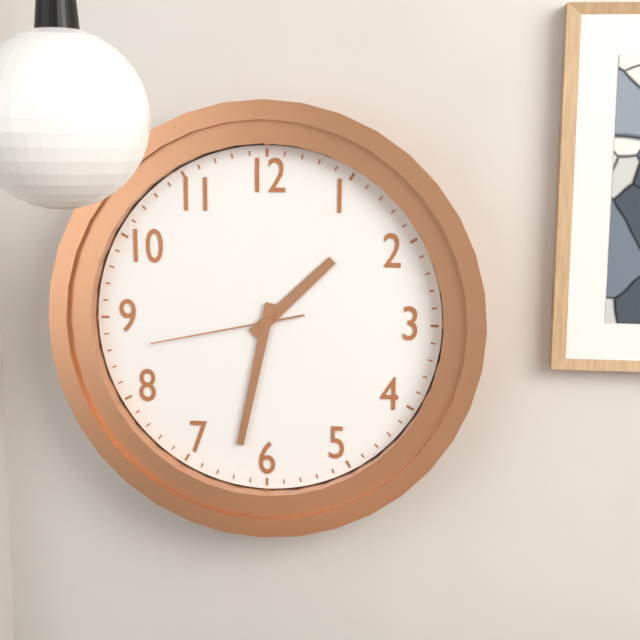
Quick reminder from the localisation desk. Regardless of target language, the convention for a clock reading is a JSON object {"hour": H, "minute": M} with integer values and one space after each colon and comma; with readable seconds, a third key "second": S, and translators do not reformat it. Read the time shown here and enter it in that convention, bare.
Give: {"hour": 1, "minute": 32, "second": 43}
